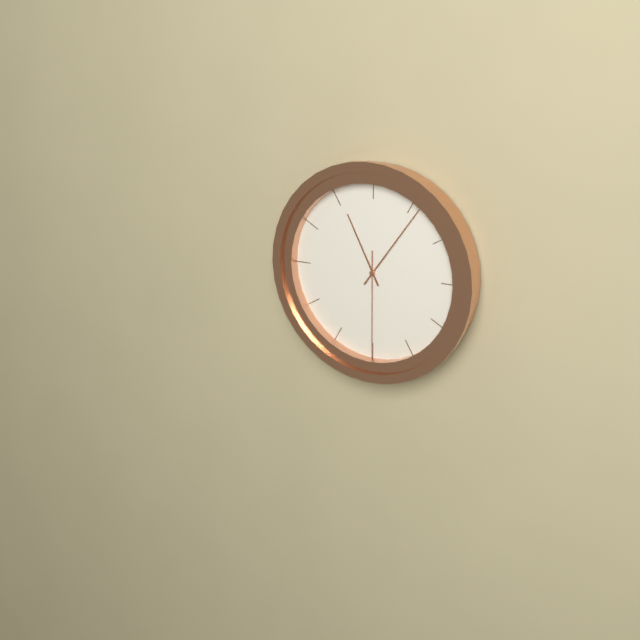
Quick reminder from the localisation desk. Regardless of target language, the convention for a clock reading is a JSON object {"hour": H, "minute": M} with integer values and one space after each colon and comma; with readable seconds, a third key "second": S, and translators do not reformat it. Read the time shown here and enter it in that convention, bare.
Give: {"hour": 11, "minute": 6, "second": 30}
